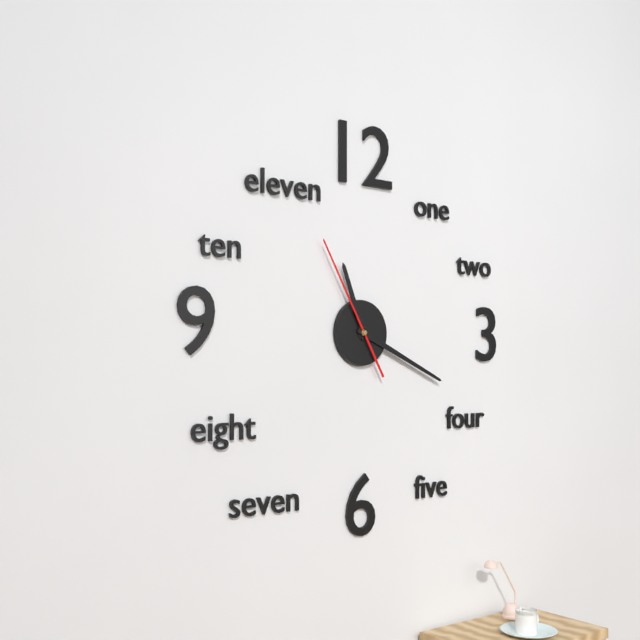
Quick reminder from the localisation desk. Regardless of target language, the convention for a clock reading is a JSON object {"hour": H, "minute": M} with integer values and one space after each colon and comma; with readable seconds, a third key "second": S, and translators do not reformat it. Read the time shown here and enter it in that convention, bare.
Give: {"hour": 11, "minute": 19, "second": 55}
